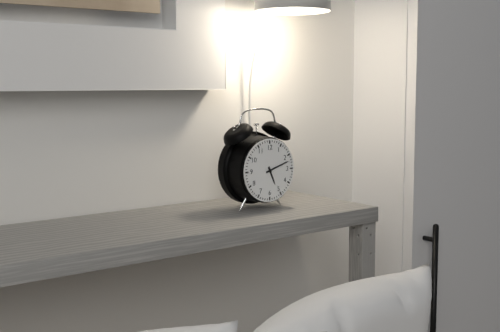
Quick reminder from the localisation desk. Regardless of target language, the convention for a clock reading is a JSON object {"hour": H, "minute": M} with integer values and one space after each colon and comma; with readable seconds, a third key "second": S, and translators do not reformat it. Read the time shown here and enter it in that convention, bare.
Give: {"hour": 5, "minute": 12}
